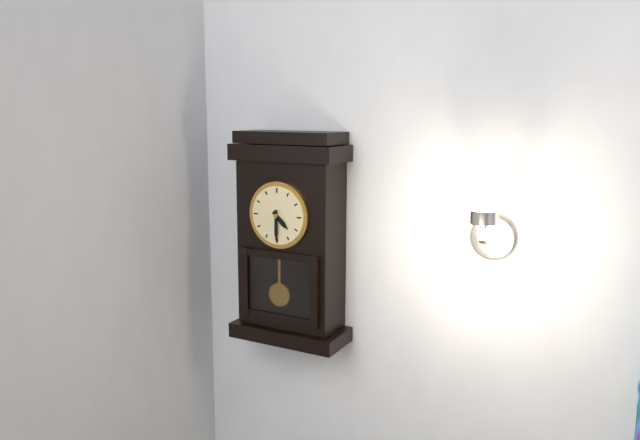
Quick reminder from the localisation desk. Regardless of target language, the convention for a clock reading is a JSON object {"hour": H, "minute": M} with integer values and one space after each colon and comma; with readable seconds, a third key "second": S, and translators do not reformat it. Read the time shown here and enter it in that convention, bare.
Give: {"hour": 4, "minute": 30}
